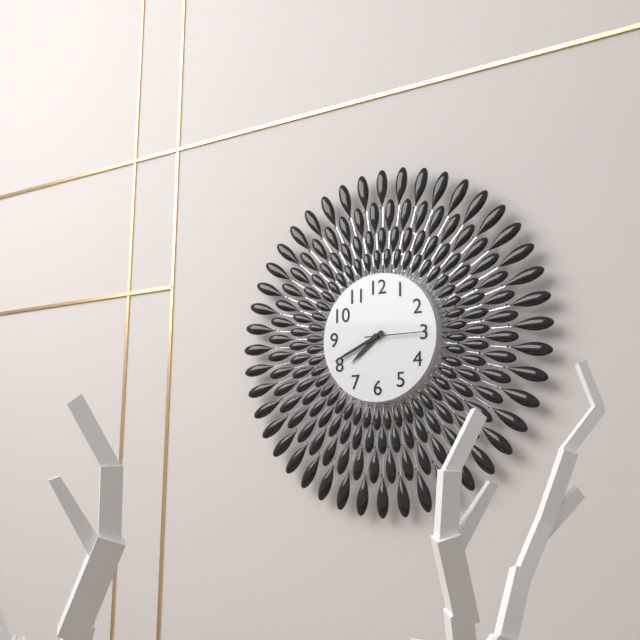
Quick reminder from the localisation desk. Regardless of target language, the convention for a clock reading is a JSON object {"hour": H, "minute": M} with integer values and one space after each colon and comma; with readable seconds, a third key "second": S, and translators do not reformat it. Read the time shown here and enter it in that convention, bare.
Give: {"hour": 7, "minute": 41, "second": 15}
